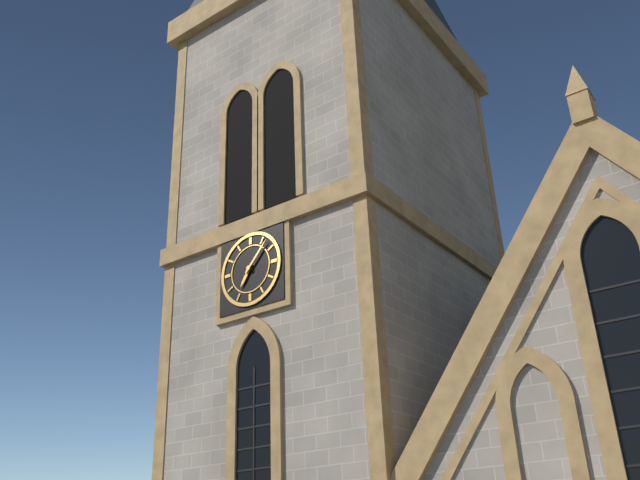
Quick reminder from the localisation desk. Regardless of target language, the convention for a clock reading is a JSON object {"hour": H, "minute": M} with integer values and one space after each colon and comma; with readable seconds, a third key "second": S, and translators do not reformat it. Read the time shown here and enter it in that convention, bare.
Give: {"hour": 7, "minute": 7}
